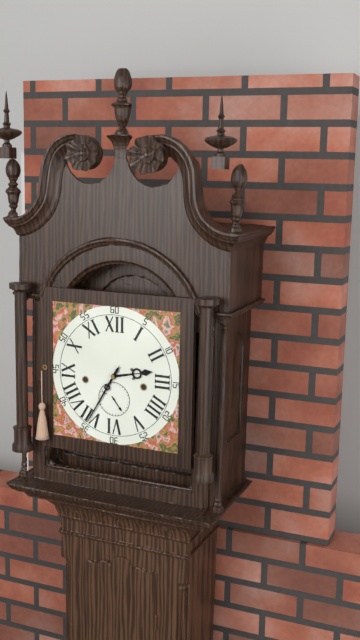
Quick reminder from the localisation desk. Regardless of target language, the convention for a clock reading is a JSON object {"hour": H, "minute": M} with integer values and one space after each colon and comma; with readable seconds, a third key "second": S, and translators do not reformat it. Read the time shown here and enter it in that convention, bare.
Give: {"hour": 2, "minute": 35}
